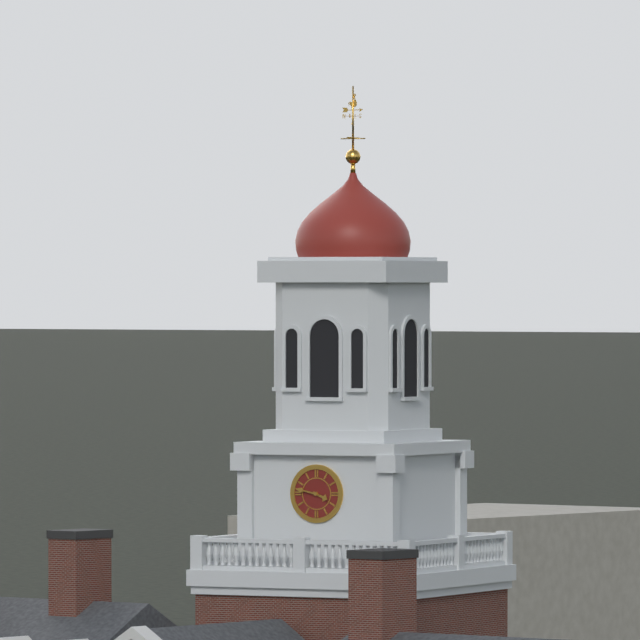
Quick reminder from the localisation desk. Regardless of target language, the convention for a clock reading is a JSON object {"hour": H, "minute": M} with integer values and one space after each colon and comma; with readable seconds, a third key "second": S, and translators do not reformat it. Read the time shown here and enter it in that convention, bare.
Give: {"hour": 3, "minute": 47}
